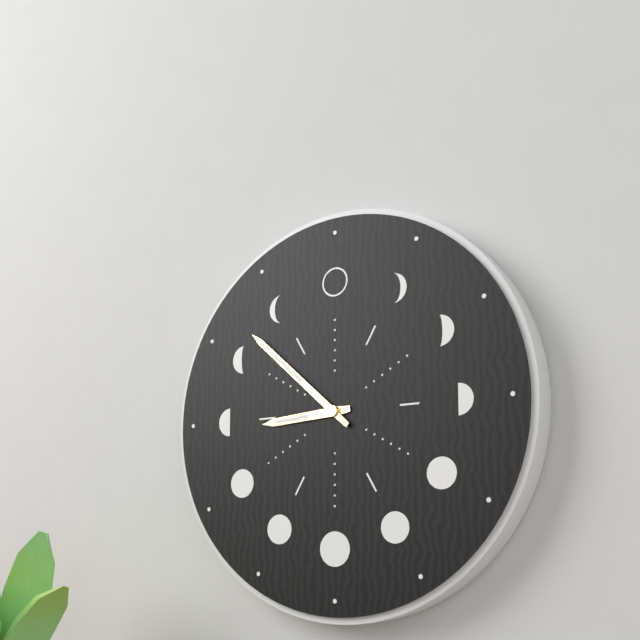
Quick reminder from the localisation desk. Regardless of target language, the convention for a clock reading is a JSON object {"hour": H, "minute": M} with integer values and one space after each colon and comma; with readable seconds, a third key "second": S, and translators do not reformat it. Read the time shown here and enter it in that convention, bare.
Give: {"hour": 8, "minute": 52}
